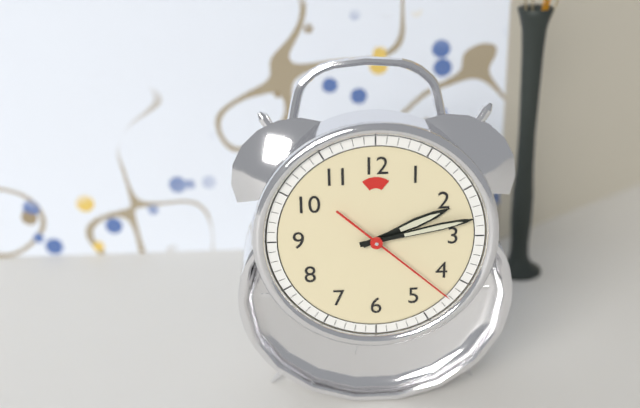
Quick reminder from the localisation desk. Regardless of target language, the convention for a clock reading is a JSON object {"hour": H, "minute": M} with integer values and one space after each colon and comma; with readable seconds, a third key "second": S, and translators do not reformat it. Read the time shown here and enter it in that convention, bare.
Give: {"hour": 2, "minute": 13, "second": 22}
